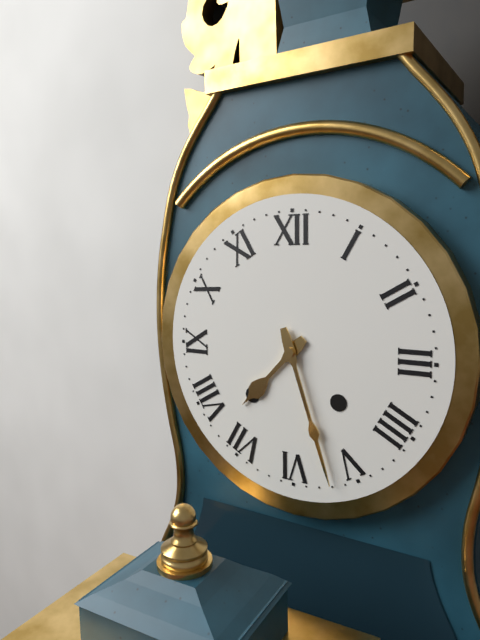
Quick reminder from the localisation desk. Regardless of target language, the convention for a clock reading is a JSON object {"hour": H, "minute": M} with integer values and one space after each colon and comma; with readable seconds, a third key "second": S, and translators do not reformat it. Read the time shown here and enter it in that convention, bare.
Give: {"hour": 7, "minute": 27}
